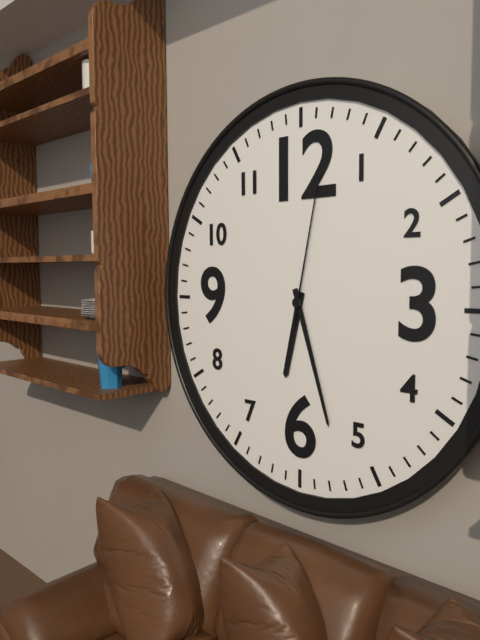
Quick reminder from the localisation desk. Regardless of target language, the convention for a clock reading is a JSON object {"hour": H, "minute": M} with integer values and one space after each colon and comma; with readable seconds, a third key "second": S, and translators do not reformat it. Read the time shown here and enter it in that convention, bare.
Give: {"hour": 6, "minute": 27, "second": 2}
